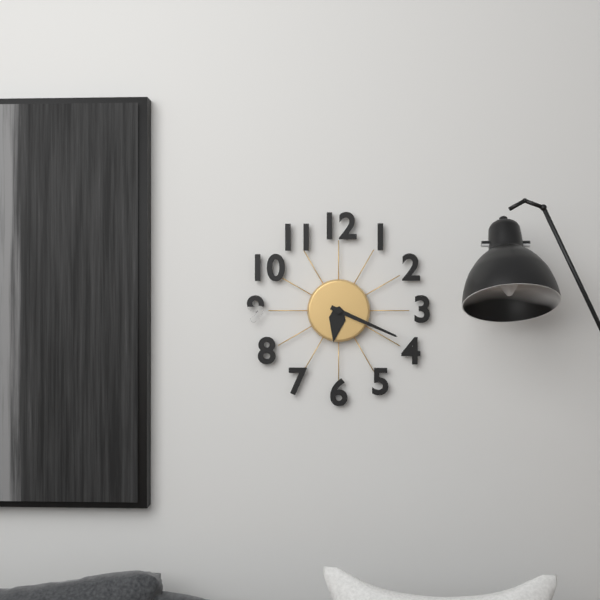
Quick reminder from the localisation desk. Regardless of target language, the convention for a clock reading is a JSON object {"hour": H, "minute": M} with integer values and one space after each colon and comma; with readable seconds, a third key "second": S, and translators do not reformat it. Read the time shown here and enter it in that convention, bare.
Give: {"hour": 6, "minute": 19}
